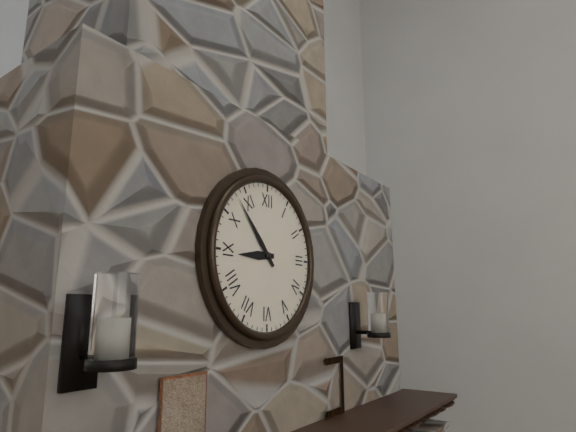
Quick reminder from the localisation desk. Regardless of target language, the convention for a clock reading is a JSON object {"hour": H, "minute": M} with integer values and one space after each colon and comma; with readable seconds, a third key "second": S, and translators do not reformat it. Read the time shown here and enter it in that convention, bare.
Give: {"hour": 8, "minute": 53}
